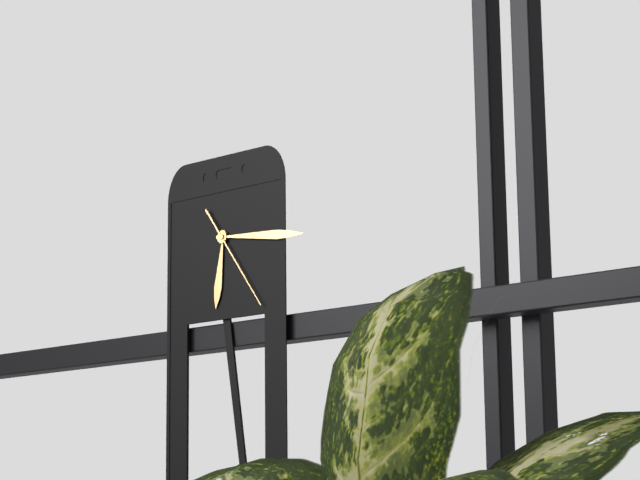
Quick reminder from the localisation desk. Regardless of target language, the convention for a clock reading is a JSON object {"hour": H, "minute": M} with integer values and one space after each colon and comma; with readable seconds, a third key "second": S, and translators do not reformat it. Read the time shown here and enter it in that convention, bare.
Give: {"hour": 6, "minute": 16, "second": 24}
